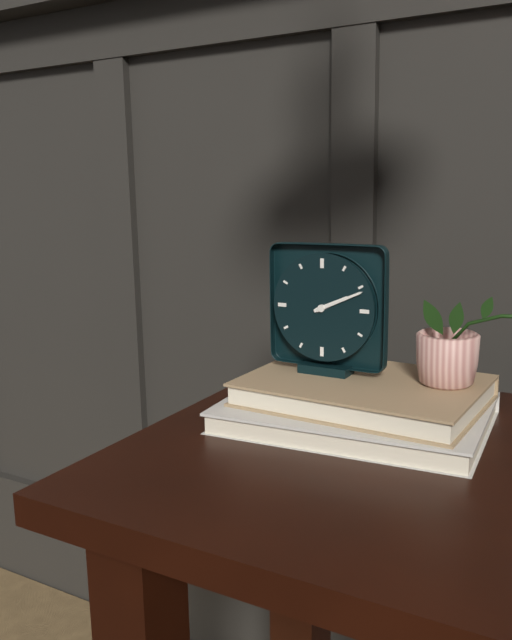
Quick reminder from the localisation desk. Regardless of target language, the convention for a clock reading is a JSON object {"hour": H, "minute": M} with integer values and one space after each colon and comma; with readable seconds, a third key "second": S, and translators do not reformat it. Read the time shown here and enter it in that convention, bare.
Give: {"hour": 2, "minute": 11}
